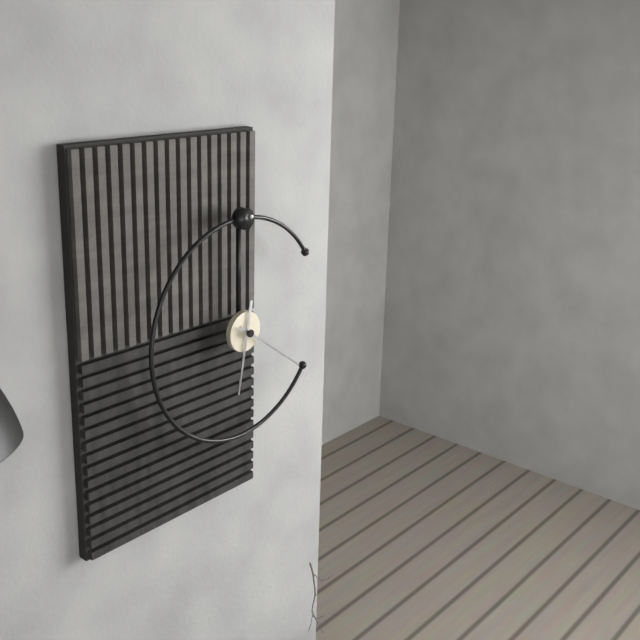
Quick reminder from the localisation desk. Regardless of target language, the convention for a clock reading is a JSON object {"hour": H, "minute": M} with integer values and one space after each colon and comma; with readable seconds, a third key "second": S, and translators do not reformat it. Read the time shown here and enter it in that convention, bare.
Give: {"hour": 6, "minute": 21}
